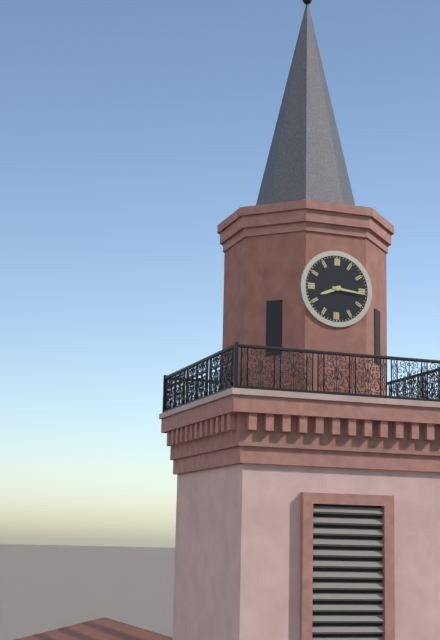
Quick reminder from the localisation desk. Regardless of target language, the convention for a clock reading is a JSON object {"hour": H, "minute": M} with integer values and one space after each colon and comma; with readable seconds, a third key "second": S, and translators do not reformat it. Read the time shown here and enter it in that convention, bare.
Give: {"hour": 8, "minute": 16}
